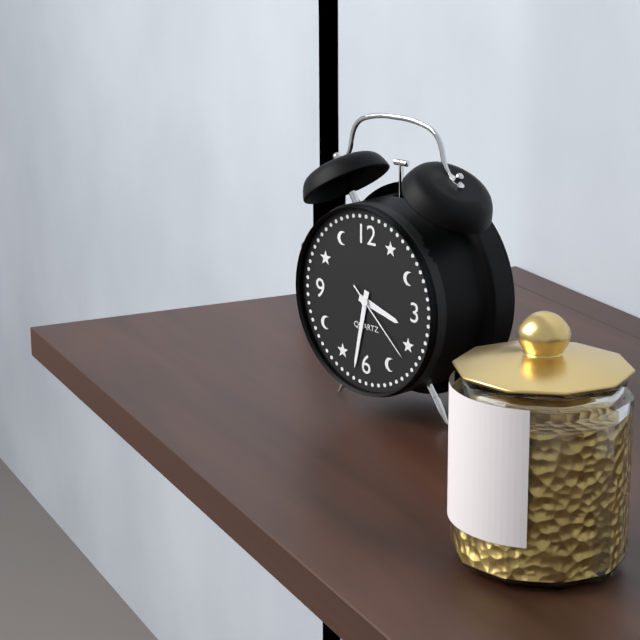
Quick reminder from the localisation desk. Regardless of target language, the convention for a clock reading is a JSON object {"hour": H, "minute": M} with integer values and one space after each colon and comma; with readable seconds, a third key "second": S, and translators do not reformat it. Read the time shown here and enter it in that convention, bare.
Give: {"hour": 3, "minute": 32, "second": 22}
